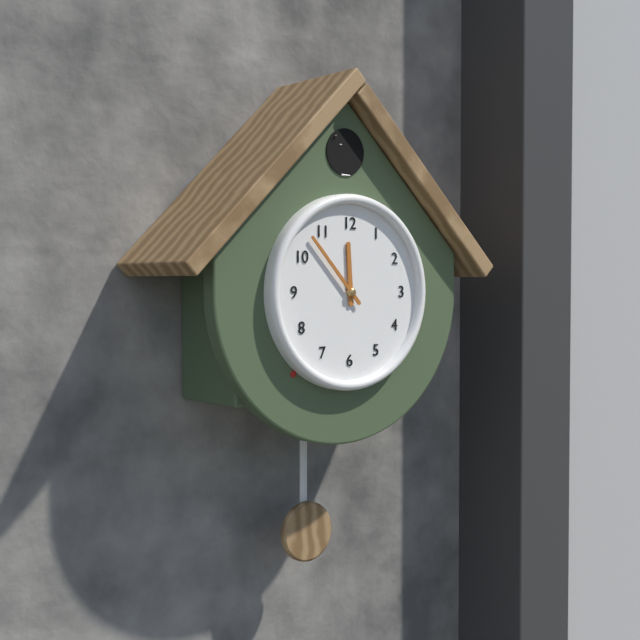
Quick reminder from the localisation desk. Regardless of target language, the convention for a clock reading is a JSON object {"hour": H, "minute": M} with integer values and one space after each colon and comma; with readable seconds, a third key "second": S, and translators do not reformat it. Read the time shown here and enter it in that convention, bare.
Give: {"hour": 11, "minute": 53}
